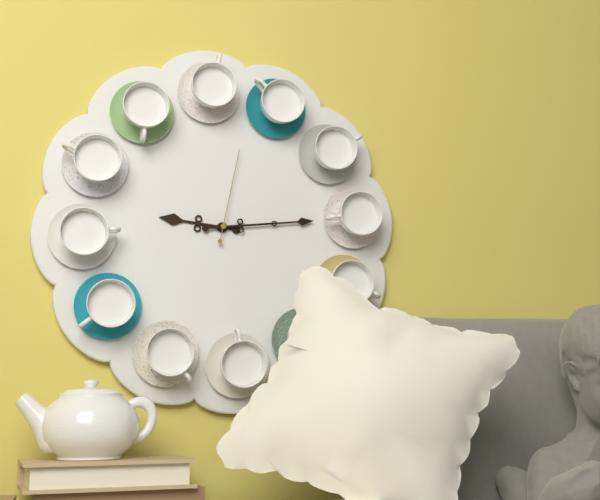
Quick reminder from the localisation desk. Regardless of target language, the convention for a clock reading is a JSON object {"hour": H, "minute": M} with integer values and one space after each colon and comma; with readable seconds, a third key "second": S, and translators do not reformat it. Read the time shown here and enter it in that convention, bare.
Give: {"hour": 9, "minute": 14, "second": 2}
